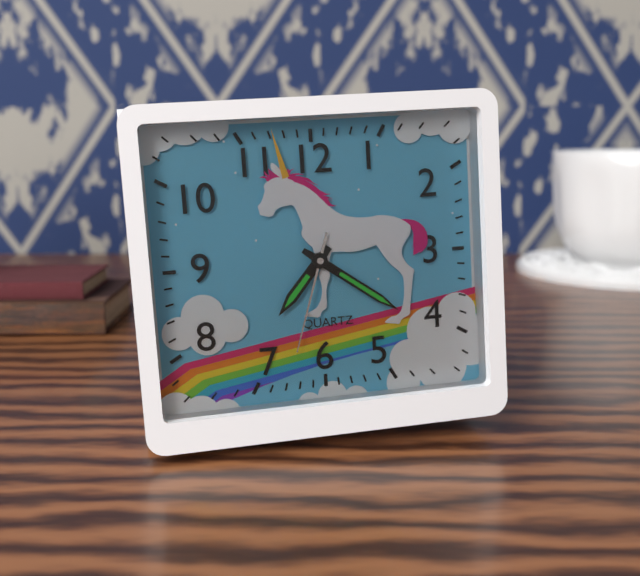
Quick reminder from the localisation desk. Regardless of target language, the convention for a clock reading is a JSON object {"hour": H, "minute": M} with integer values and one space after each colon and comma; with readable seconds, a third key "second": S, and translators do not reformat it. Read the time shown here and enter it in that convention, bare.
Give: {"hour": 7, "minute": 21, "second": 33}
